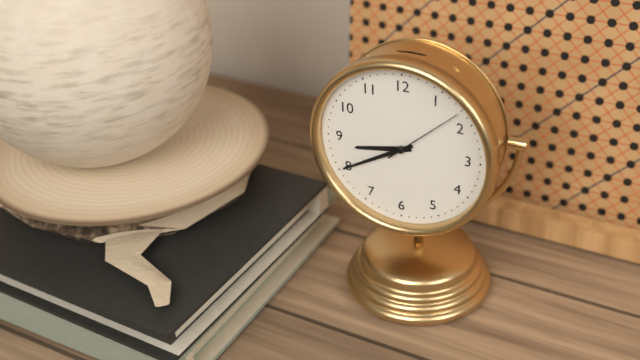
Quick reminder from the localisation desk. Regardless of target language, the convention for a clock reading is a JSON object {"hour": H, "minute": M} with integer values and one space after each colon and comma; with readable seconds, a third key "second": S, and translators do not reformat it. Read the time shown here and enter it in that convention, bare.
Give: {"hour": 8, "minute": 40, "second": 8}
